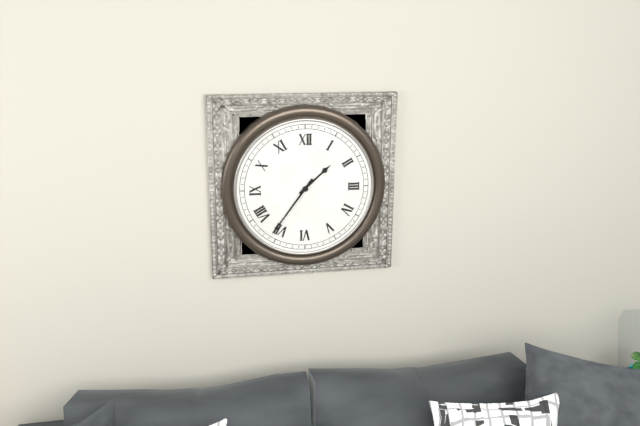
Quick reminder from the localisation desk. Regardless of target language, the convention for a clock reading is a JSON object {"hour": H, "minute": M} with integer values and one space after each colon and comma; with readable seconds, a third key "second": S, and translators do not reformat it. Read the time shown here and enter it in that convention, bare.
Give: {"hour": 1, "minute": 36}
